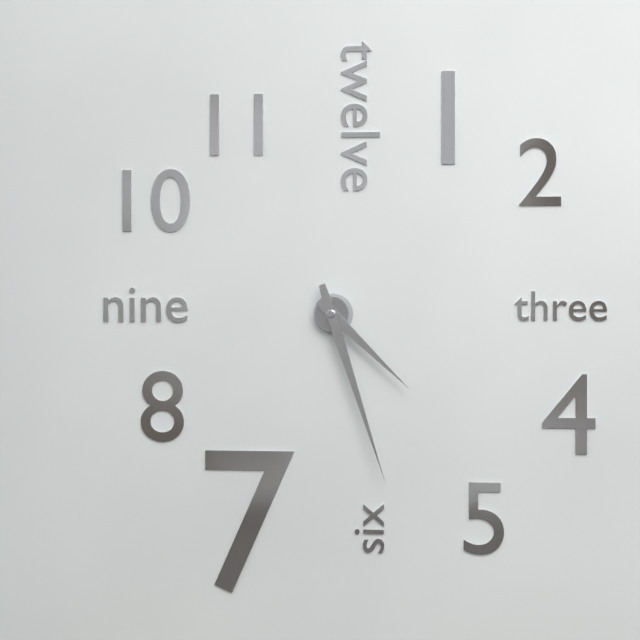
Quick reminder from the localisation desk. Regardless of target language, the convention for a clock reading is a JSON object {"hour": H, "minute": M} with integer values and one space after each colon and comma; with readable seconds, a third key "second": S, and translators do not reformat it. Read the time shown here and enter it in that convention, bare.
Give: {"hour": 4, "minute": 27}
